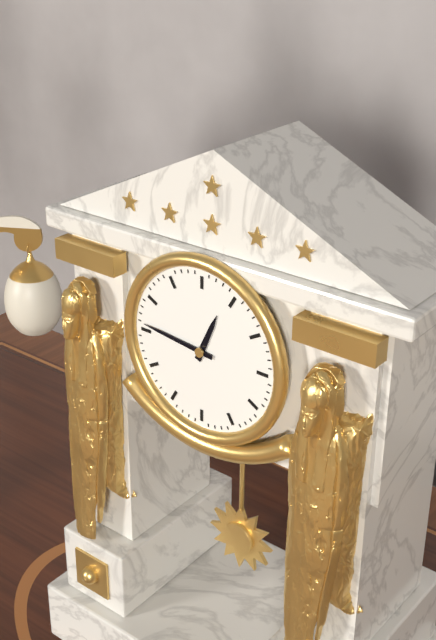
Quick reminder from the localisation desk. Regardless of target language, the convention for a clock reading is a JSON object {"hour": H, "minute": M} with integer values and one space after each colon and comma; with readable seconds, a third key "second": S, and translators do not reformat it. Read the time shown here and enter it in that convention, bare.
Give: {"hour": 12, "minute": 46}
